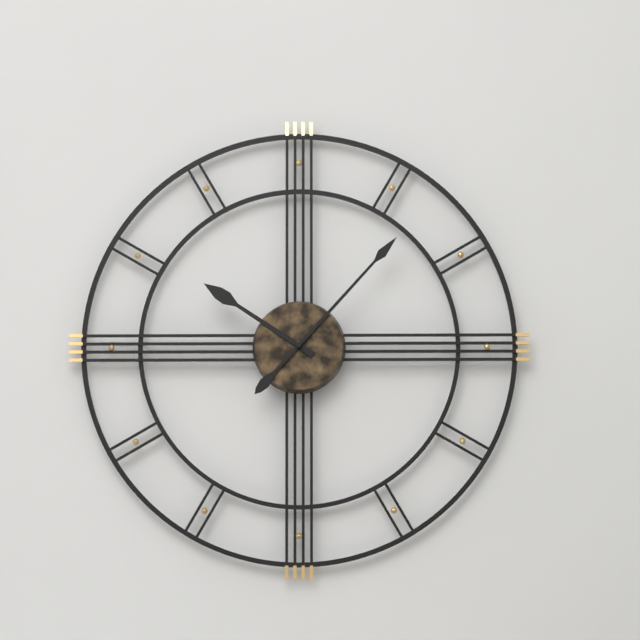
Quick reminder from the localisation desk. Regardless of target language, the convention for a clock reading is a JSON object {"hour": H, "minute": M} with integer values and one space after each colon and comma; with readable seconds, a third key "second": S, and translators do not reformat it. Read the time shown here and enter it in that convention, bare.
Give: {"hour": 10, "minute": 7}
